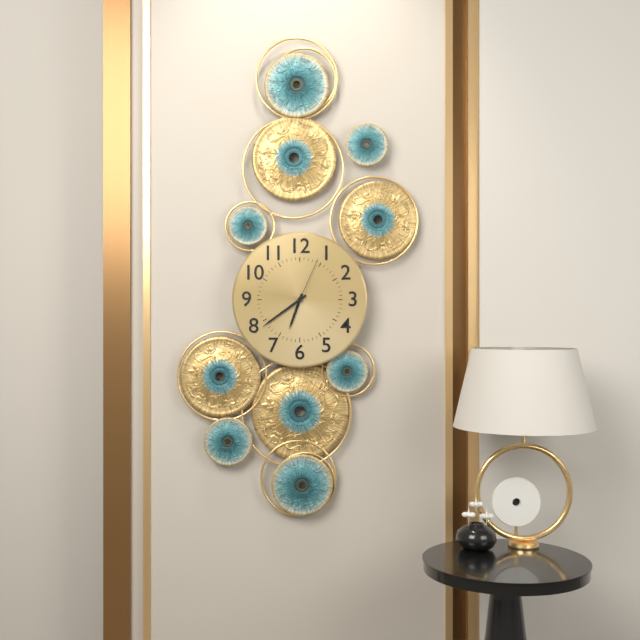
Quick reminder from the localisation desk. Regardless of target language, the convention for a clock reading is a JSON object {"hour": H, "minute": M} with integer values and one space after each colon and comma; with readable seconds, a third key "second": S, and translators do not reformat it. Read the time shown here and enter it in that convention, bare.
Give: {"hour": 6, "minute": 39, "second": 4}
